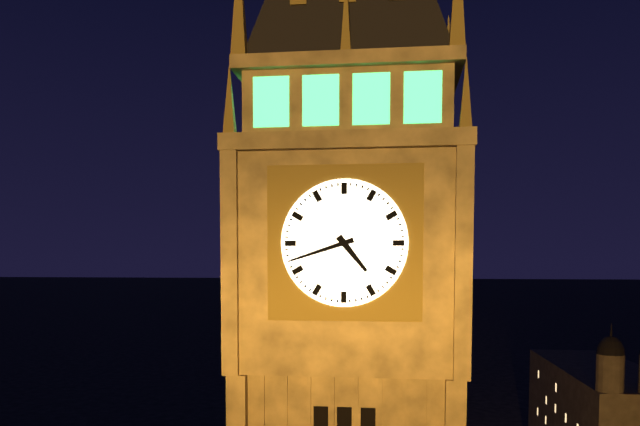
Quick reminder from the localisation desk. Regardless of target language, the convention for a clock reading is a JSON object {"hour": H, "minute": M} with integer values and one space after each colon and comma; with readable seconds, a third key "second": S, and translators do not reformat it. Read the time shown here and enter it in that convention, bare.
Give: {"hour": 4, "minute": 42}
